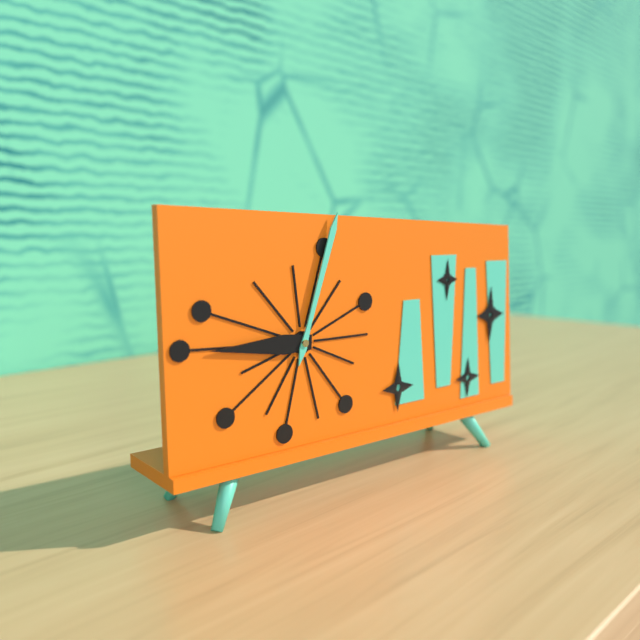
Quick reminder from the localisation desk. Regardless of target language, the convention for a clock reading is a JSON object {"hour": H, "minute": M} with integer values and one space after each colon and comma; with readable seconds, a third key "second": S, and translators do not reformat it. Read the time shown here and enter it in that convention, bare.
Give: {"hour": 9, "minute": 3}
